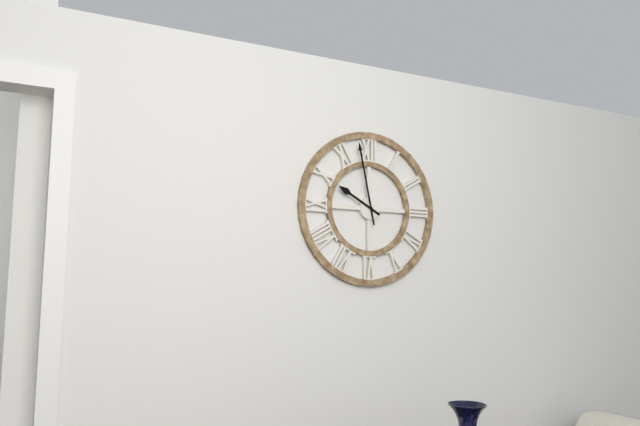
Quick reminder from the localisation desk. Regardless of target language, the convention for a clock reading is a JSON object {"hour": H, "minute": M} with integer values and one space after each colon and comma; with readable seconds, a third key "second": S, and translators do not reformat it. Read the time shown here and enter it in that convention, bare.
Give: {"hour": 9, "minute": 58}
